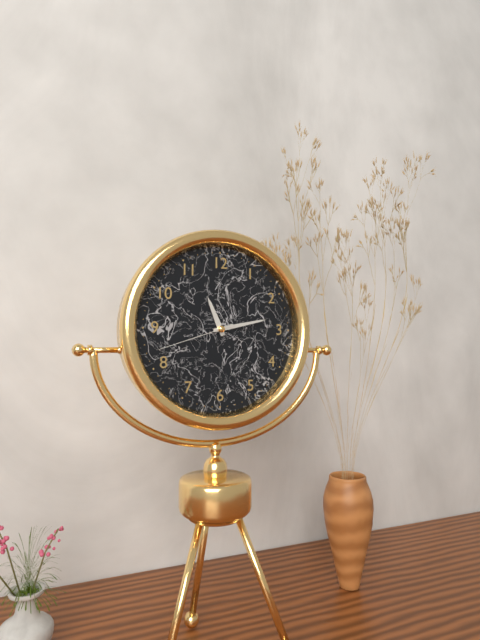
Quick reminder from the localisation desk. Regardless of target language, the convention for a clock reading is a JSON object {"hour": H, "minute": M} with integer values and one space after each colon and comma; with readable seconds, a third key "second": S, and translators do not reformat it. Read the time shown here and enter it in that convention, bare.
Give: {"hour": 11, "minute": 13, "second": 42}
